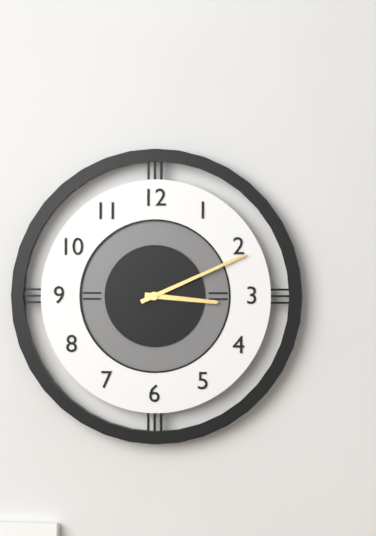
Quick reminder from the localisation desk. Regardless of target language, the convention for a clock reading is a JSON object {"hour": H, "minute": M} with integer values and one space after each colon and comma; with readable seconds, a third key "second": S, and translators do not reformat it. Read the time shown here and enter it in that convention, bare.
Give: {"hour": 3, "minute": 11}
